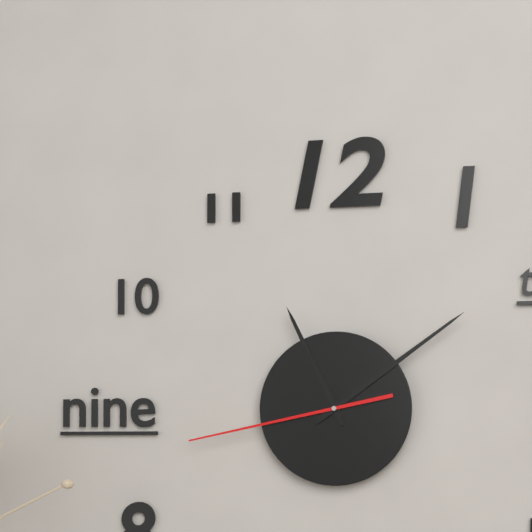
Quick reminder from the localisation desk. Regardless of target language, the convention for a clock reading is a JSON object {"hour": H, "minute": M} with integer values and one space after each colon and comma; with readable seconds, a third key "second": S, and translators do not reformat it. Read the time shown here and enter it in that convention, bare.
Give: {"hour": 11, "minute": 9, "second": 43}
